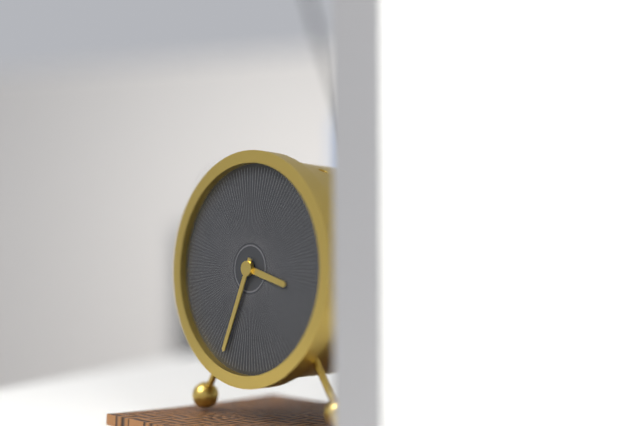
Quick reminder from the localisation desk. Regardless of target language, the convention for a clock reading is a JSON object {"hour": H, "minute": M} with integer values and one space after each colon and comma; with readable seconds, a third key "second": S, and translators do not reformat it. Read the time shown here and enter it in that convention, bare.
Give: {"hour": 3, "minute": 34}
